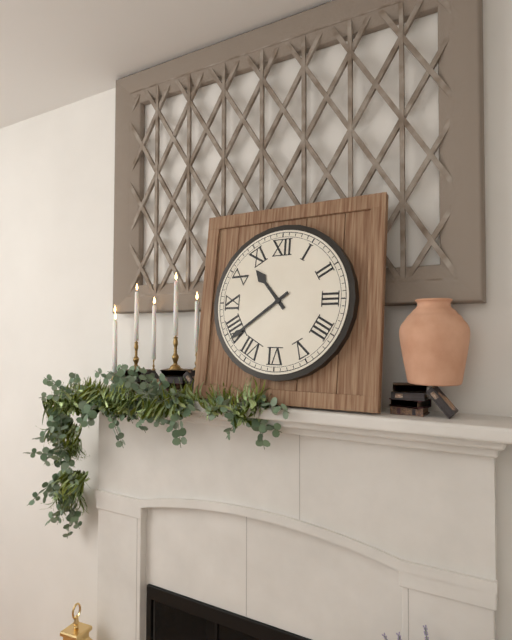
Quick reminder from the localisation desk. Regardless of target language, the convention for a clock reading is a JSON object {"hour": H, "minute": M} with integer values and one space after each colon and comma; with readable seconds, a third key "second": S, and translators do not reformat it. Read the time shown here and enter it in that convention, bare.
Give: {"hour": 10, "minute": 39}
